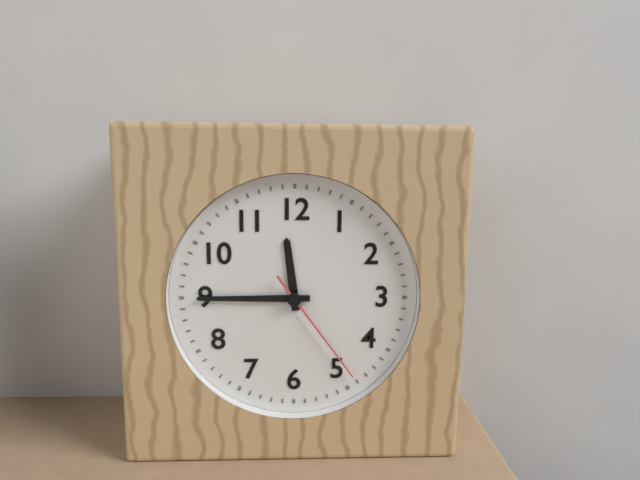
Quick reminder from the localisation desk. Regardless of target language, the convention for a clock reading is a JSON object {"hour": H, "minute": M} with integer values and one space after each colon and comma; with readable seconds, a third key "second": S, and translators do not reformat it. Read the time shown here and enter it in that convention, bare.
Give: {"hour": 11, "minute": 45, "second": 24}
